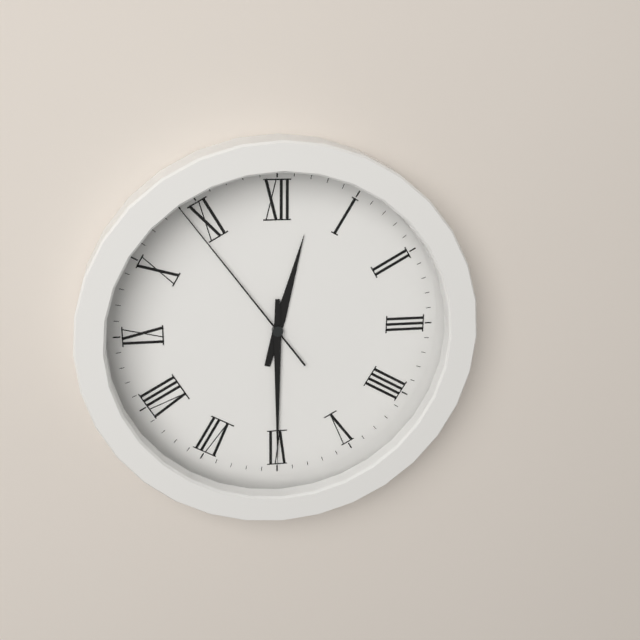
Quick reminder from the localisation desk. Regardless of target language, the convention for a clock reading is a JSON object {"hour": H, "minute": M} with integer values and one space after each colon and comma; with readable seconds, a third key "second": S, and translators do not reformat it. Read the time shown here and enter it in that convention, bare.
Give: {"hour": 12, "minute": 30, "second": 54}
